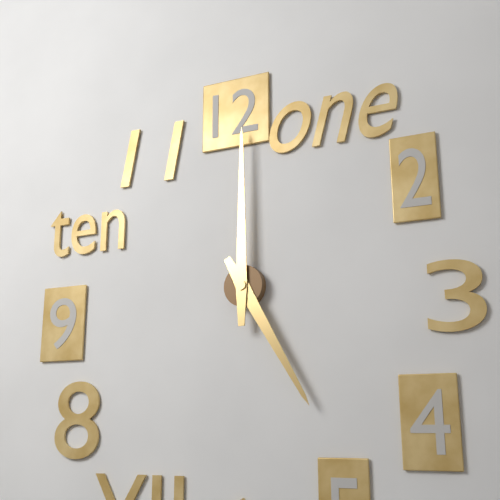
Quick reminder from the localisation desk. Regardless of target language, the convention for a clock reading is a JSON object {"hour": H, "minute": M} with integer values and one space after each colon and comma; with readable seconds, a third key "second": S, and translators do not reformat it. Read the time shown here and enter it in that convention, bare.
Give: {"hour": 5, "minute": 0}
